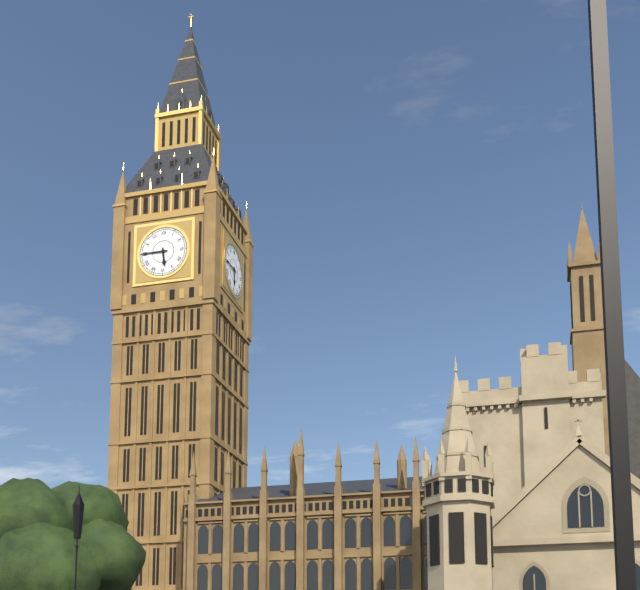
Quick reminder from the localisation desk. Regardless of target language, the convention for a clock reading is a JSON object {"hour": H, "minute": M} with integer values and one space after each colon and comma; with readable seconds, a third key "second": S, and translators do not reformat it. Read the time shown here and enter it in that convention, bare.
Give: {"hour": 5, "minute": 45}
